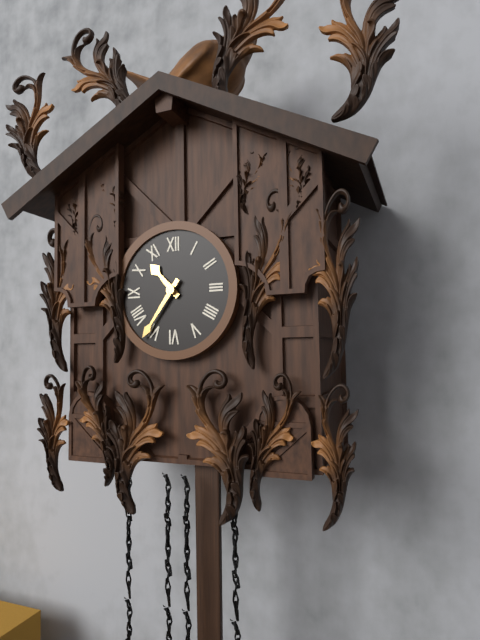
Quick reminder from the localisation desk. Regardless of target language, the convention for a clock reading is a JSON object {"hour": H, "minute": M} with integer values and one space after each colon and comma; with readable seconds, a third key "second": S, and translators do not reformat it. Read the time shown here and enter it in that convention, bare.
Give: {"hour": 10, "minute": 36}
